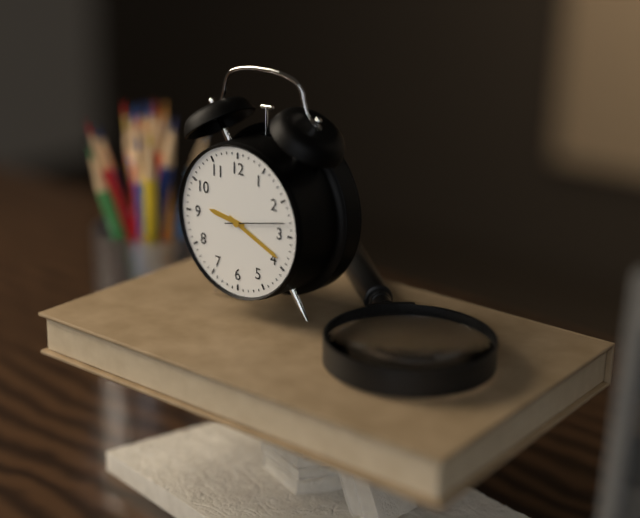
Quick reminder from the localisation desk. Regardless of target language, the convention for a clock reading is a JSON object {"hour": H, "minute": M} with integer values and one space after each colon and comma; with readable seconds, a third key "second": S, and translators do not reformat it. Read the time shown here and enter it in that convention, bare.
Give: {"hour": 9, "minute": 19, "second": 13}
